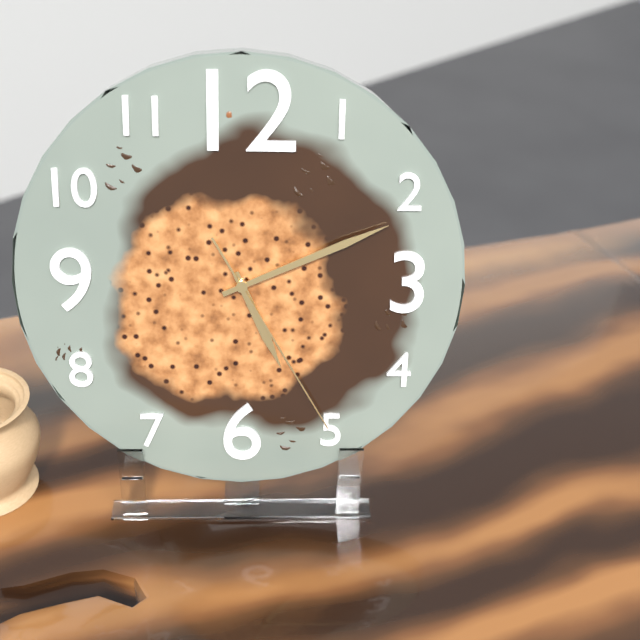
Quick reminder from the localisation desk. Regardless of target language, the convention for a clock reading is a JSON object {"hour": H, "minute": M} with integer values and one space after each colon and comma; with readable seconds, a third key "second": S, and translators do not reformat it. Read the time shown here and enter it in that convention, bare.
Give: {"hour": 5, "minute": 11, "second": 25}
